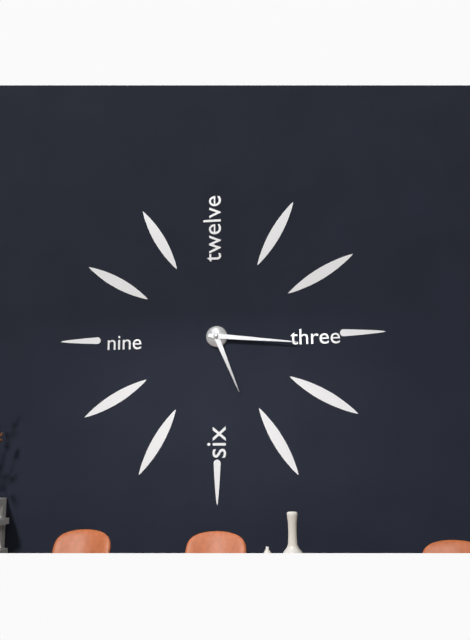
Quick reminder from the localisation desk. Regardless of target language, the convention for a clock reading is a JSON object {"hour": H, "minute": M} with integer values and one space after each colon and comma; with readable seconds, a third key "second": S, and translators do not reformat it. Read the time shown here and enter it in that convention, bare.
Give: {"hour": 5, "minute": 16}
